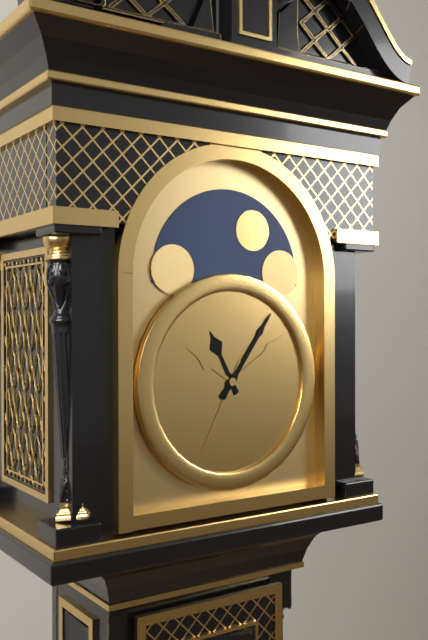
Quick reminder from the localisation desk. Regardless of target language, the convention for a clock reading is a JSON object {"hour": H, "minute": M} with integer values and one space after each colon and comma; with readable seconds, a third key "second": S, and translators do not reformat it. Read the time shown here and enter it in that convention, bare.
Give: {"hour": 11, "minute": 6}
